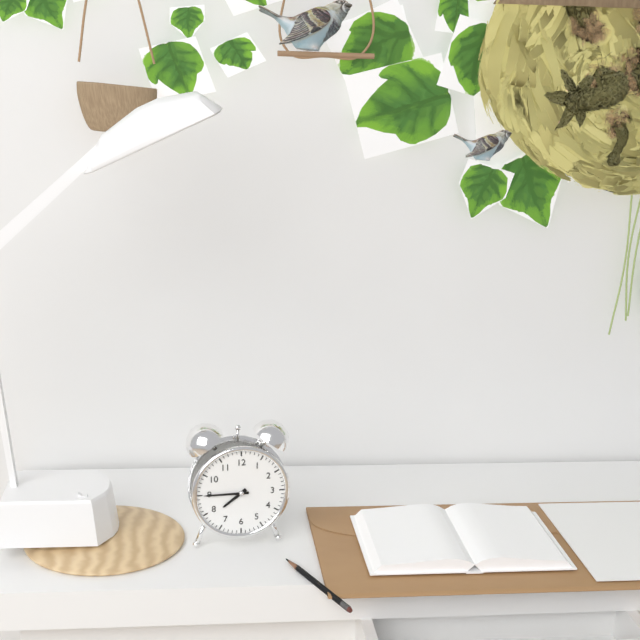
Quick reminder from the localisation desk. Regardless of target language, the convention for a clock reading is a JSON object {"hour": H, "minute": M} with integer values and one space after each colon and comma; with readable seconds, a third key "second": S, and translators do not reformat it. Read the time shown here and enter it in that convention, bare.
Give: {"hour": 7, "minute": 45}
